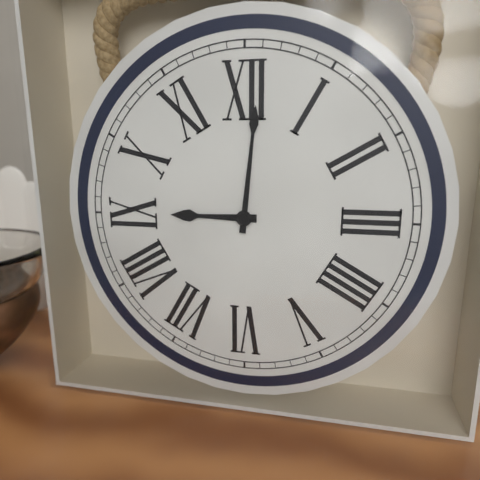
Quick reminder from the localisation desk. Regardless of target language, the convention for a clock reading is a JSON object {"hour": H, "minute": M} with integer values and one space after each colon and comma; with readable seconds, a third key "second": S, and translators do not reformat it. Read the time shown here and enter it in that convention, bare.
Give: {"hour": 9, "minute": 1}
